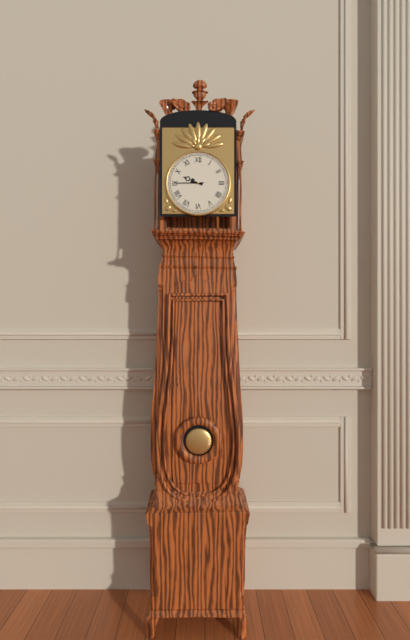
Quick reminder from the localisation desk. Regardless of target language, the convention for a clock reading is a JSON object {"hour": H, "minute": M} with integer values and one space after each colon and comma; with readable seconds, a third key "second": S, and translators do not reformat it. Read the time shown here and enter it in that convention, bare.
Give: {"hour": 9, "minute": 45}
